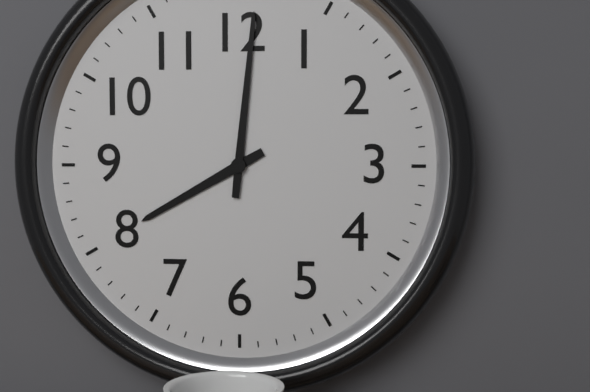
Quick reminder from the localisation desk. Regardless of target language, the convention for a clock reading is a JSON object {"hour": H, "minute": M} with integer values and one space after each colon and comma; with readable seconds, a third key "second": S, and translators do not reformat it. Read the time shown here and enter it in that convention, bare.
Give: {"hour": 8, "minute": 1}
